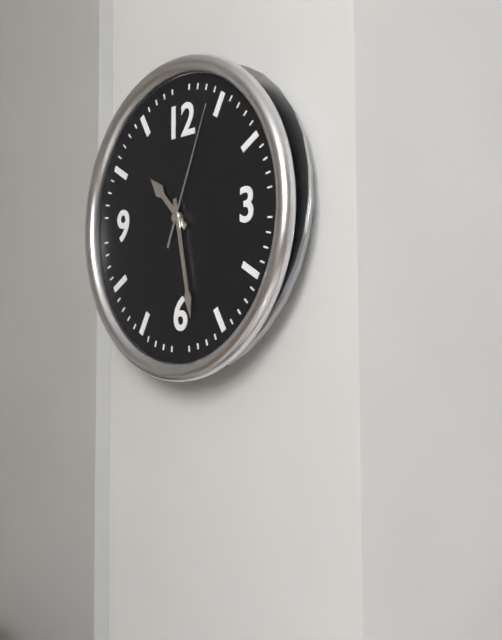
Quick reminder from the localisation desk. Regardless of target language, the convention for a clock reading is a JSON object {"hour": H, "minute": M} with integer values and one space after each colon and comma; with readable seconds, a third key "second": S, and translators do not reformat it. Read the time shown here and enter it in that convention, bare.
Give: {"hour": 10, "minute": 28, "second": 4}
